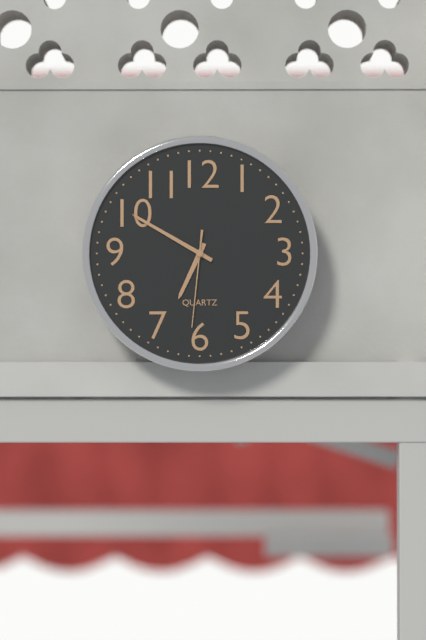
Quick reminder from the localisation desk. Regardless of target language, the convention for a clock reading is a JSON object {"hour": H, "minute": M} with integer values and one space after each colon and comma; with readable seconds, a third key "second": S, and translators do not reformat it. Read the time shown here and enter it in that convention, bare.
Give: {"hour": 6, "minute": 50, "second": 31}
